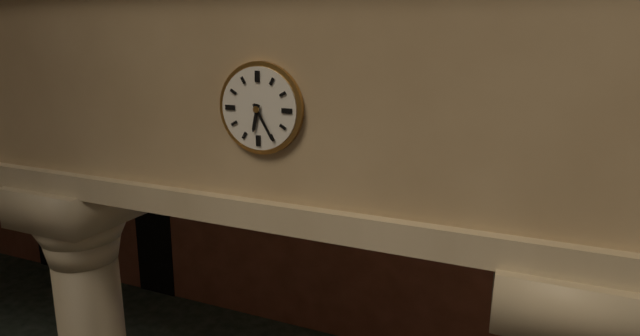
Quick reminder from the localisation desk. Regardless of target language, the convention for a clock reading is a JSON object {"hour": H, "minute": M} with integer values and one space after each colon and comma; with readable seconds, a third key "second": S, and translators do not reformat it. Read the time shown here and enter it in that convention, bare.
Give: {"hour": 6, "minute": 25}
